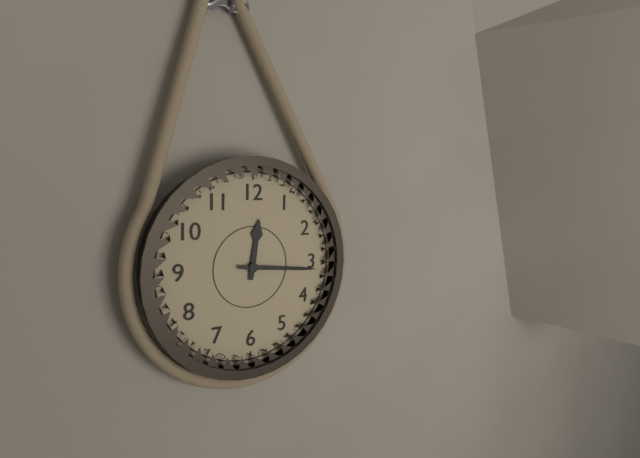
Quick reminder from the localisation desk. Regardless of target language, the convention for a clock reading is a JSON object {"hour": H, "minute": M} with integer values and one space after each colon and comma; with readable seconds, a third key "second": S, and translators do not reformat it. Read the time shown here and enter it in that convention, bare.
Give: {"hour": 12, "minute": 16}
